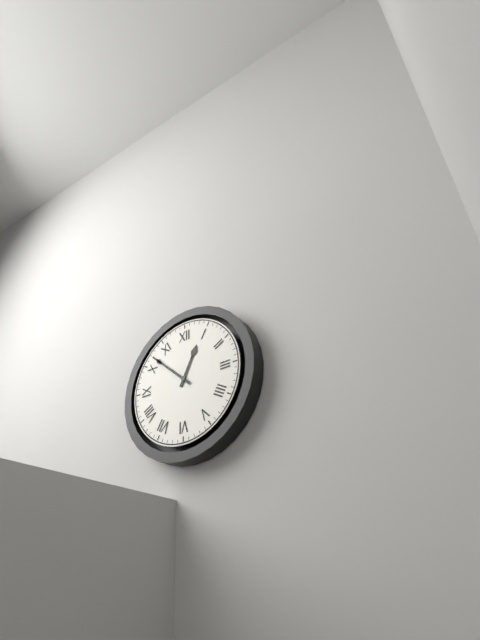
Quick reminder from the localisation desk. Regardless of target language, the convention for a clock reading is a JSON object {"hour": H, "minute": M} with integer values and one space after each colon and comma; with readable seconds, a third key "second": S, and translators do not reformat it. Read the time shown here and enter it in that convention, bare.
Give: {"hour": 12, "minute": 52}
